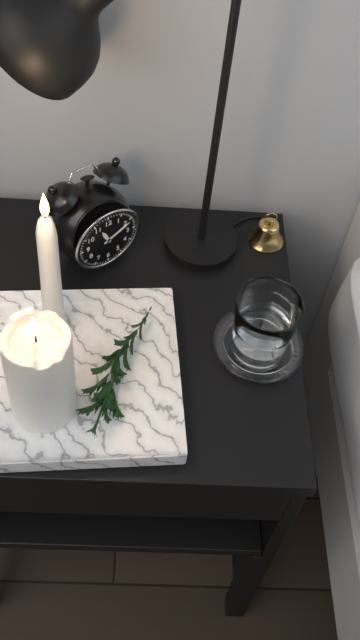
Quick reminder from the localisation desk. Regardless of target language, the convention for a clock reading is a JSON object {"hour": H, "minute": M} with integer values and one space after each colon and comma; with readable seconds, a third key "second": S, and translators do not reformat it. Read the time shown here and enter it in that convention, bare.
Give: {"hour": 11, "minute": 11}
